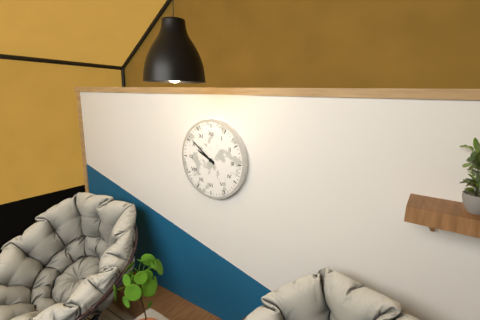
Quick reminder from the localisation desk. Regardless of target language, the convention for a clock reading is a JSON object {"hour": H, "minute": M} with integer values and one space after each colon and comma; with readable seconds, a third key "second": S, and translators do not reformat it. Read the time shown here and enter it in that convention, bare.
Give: {"hour": 9, "minute": 51}
